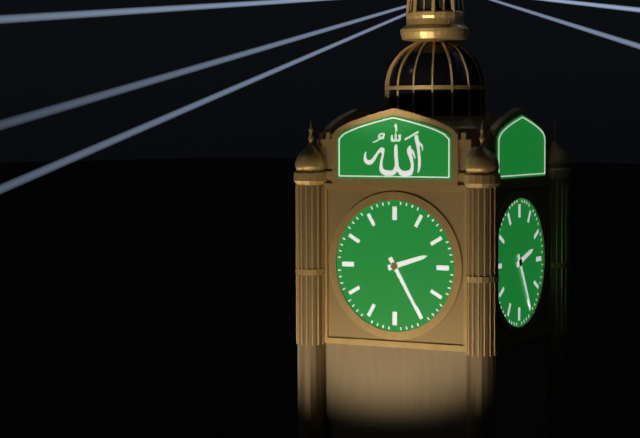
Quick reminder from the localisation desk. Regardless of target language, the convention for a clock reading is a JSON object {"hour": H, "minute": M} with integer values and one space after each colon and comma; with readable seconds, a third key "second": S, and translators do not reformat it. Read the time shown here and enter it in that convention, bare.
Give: {"hour": 2, "minute": 25}
